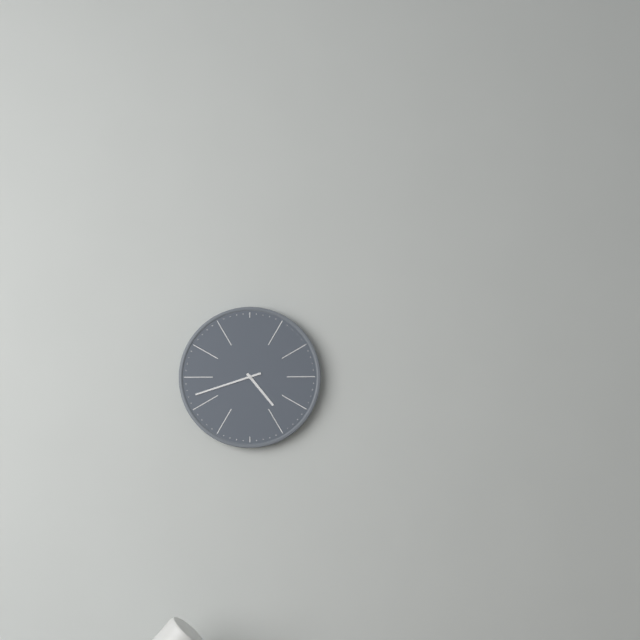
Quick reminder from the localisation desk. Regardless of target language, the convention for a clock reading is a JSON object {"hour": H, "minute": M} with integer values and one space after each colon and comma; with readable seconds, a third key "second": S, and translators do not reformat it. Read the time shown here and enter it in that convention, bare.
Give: {"hour": 4, "minute": 42}
